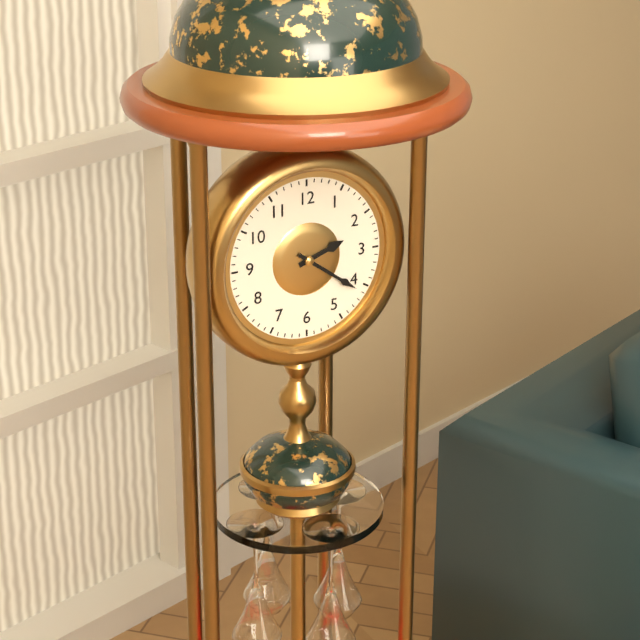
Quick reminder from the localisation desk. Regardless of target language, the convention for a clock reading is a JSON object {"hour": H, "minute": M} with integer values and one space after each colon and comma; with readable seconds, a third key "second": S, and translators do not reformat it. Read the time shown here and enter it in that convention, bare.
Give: {"hour": 2, "minute": 21}
